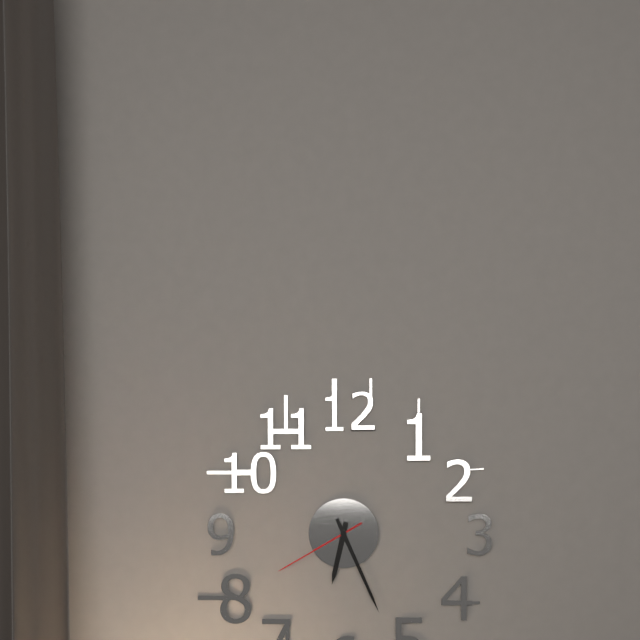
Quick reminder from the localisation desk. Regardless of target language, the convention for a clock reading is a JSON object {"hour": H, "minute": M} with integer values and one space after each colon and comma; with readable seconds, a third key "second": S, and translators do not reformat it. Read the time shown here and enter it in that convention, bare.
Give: {"hour": 6, "minute": 26, "second": 40}
